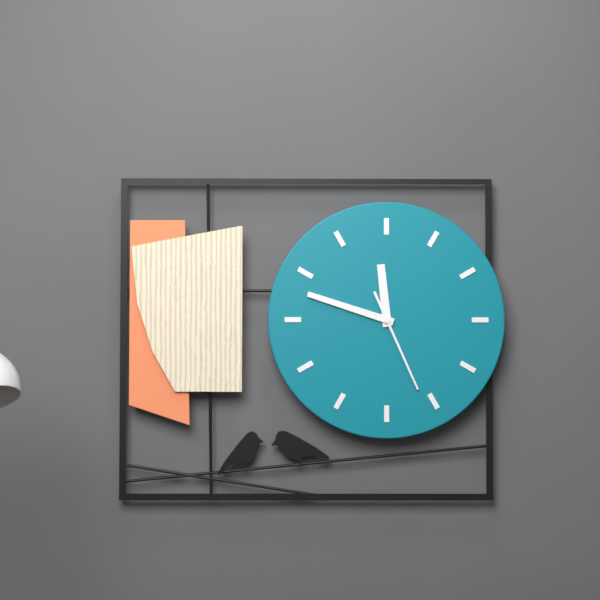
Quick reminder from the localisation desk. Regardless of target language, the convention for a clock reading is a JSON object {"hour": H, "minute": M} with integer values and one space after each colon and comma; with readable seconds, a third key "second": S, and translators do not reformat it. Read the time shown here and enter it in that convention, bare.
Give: {"hour": 11, "minute": 48, "second": 26}
